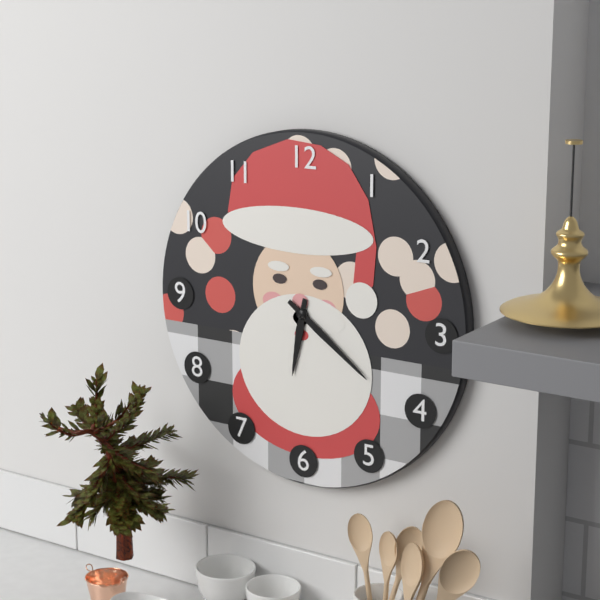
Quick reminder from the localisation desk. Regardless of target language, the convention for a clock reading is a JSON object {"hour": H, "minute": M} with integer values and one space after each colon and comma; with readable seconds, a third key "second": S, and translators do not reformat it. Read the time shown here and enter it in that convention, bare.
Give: {"hour": 6, "minute": 21}
